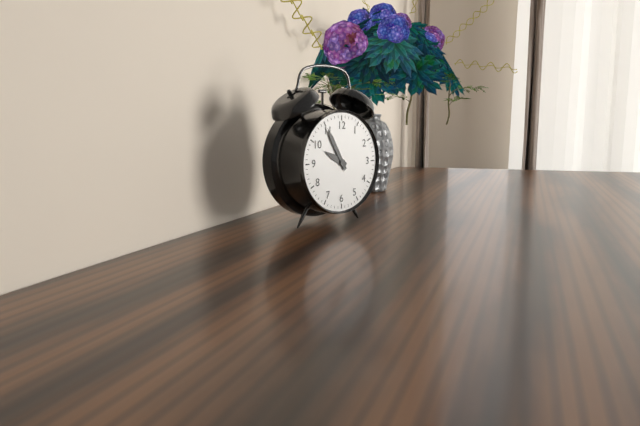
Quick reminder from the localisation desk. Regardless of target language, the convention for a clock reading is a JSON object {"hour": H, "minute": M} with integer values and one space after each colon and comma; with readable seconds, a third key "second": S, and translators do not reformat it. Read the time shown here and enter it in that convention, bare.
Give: {"hour": 9, "minute": 55}
